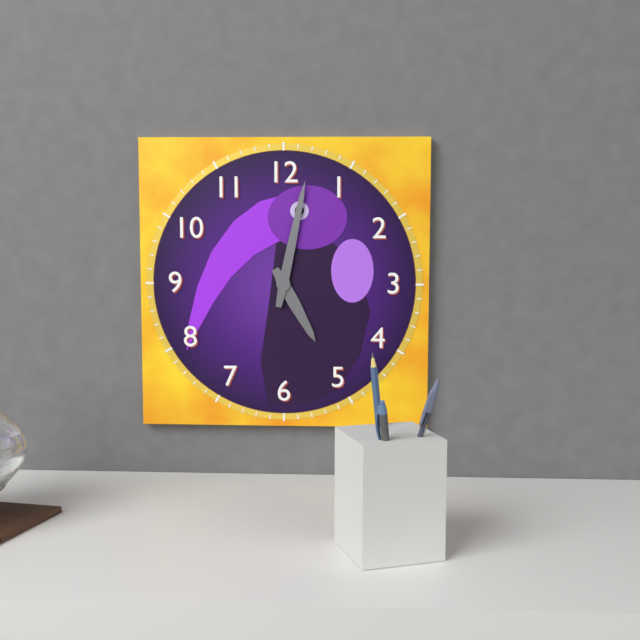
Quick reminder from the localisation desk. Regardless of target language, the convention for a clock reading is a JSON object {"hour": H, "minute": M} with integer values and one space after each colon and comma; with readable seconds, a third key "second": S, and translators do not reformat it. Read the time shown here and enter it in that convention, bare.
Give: {"hour": 5, "minute": 2}
